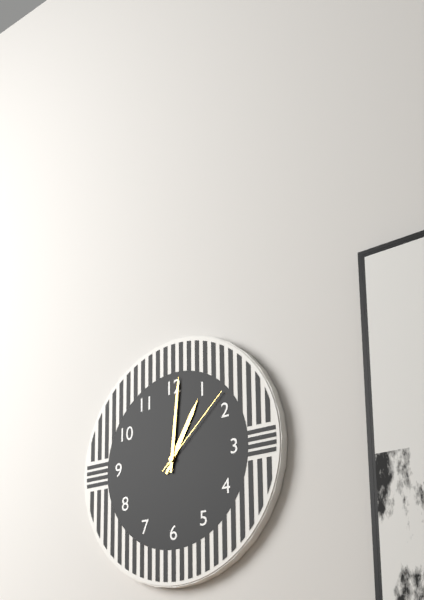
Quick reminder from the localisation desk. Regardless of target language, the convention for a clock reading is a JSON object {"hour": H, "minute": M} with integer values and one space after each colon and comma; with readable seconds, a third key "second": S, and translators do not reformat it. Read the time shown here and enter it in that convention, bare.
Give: {"hour": 1, "minute": 1, "second": 8}
